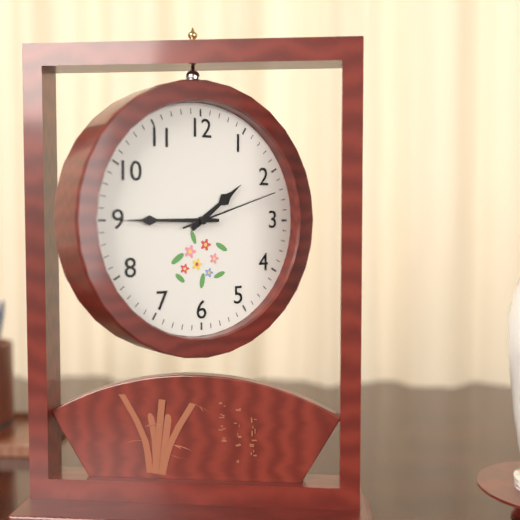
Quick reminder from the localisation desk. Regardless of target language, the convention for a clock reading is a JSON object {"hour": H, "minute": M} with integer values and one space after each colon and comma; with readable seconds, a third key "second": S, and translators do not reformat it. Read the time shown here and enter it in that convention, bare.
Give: {"hour": 1, "minute": 45, "second": 12}
